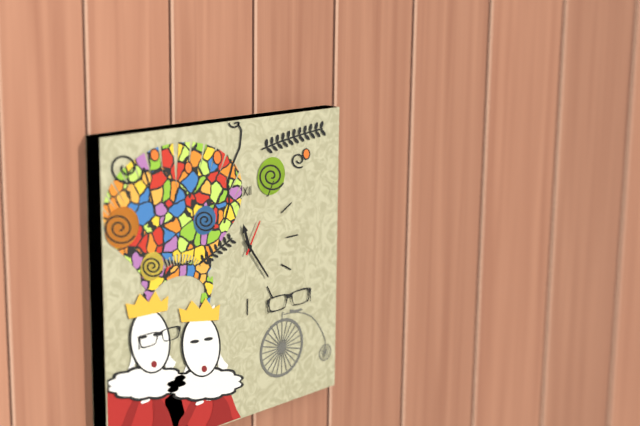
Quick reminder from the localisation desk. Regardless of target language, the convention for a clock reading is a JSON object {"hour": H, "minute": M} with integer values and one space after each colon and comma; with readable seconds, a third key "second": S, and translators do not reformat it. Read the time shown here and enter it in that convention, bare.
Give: {"hour": 11, "minute": 24}
